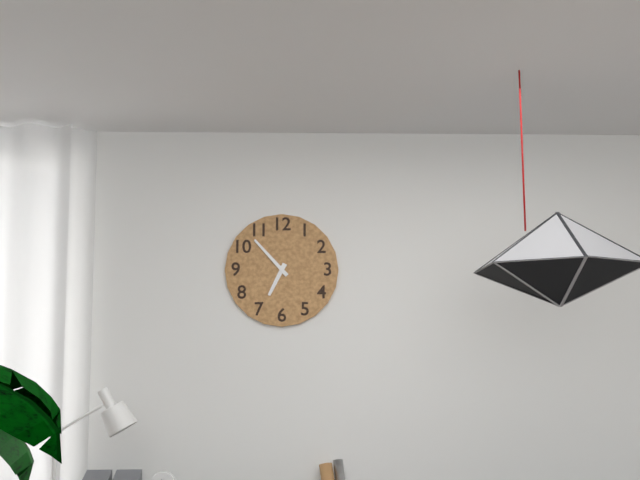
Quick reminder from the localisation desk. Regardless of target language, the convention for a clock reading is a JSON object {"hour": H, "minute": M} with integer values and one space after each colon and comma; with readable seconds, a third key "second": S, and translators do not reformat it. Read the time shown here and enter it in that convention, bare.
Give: {"hour": 6, "minute": 53}
